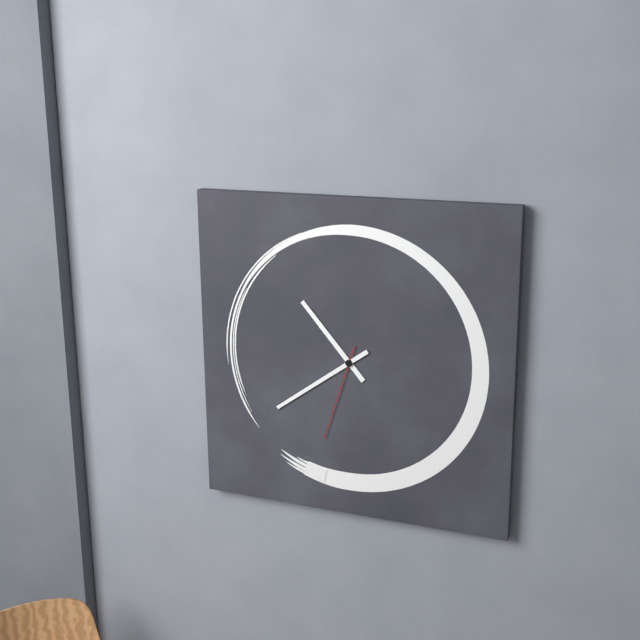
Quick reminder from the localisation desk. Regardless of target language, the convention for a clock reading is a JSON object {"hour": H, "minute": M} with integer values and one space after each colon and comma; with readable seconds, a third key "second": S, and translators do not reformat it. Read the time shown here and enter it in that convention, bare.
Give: {"hour": 10, "minute": 39, "second": 33}
